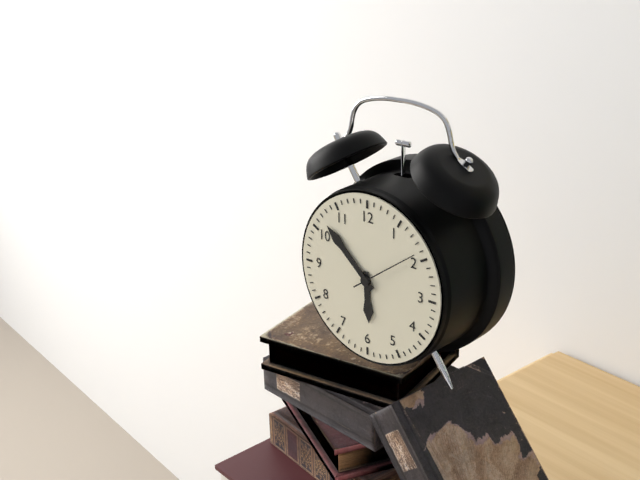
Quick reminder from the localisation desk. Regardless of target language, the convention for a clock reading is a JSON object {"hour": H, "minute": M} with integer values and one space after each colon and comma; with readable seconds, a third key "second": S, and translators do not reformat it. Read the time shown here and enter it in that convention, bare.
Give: {"hour": 5, "minute": 52, "second": 9}
